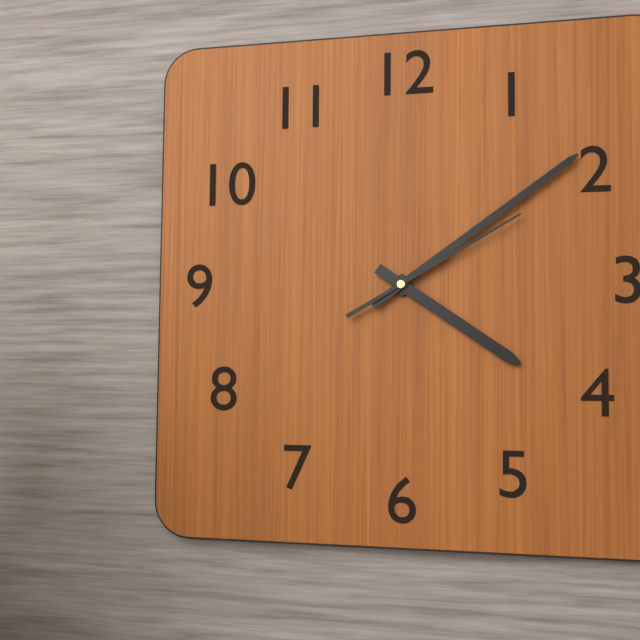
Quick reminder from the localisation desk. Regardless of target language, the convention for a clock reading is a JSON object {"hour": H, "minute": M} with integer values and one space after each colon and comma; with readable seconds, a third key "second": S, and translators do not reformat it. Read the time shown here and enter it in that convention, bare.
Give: {"hour": 4, "minute": 9, "second": 10}
